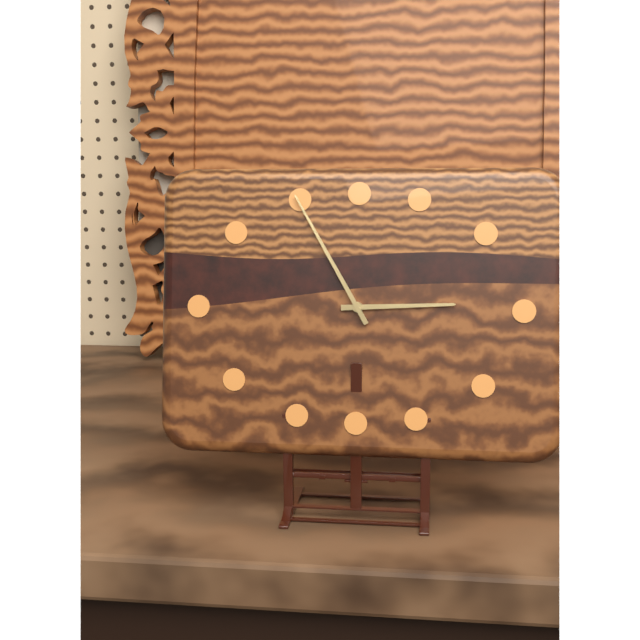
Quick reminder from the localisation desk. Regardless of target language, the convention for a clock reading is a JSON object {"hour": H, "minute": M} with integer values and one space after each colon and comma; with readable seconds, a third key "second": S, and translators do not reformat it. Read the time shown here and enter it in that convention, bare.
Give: {"hour": 2, "minute": 55}
